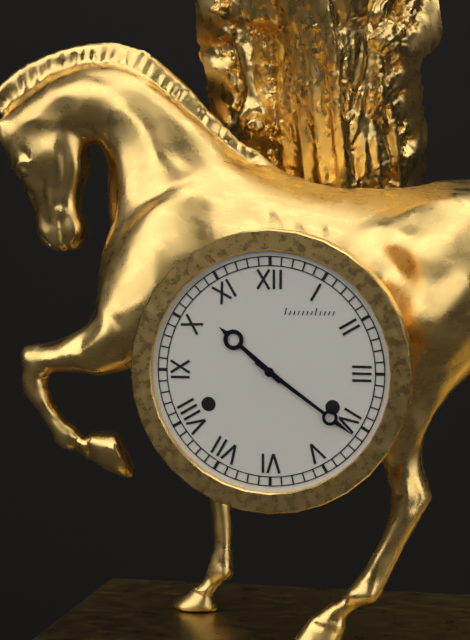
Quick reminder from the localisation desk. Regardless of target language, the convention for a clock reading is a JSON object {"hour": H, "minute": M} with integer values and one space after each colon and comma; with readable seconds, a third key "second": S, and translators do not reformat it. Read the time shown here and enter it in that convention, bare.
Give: {"hour": 10, "minute": 21}
